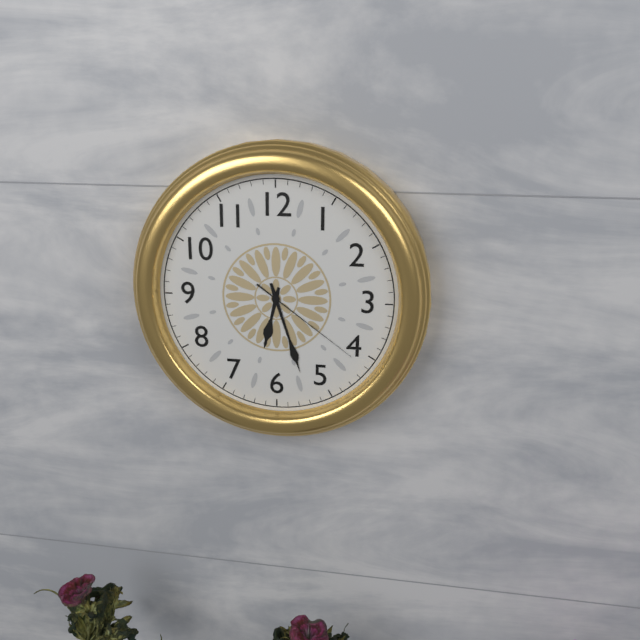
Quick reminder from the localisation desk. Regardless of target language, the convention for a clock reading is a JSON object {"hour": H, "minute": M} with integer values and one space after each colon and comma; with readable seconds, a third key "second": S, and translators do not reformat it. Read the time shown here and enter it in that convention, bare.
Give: {"hour": 6, "minute": 27, "second": 21}
